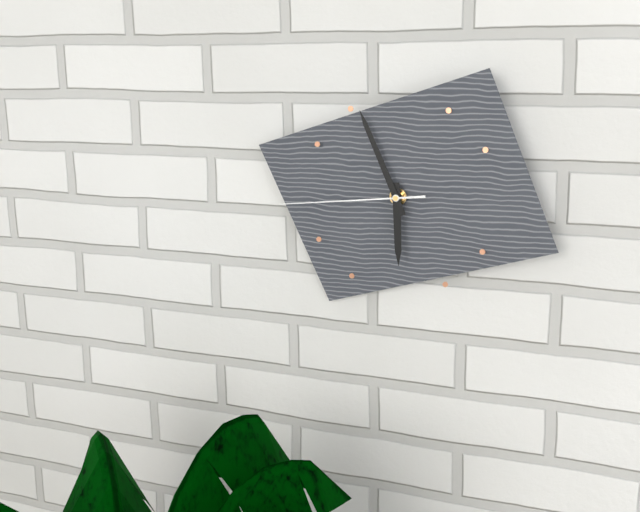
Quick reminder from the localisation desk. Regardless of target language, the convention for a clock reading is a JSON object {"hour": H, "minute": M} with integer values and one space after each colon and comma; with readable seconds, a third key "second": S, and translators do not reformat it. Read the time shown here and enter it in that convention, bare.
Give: {"hour": 5, "minute": 56, "second": 44}
